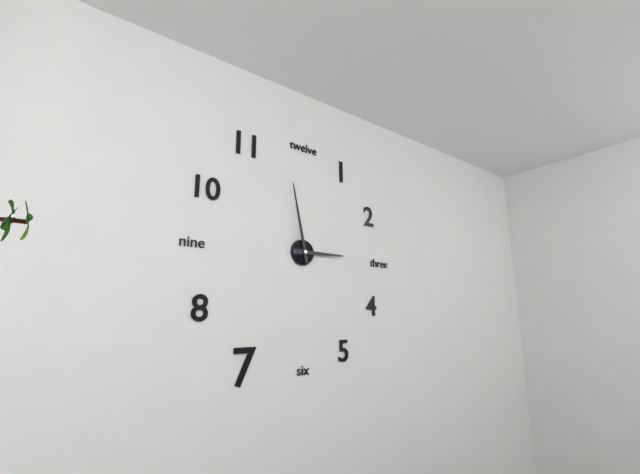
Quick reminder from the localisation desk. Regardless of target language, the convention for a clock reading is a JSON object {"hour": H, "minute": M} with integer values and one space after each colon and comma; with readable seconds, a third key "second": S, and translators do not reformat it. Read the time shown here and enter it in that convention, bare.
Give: {"hour": 2, "minute": 58}
